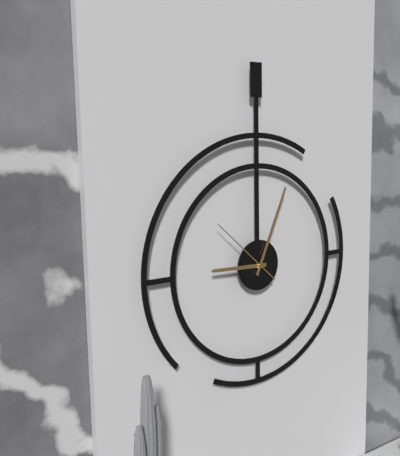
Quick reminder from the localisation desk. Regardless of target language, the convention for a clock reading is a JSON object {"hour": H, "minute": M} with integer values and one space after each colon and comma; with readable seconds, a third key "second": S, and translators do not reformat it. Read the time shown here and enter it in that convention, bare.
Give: {"hour": 9, "minute": 4, "second": 52}
